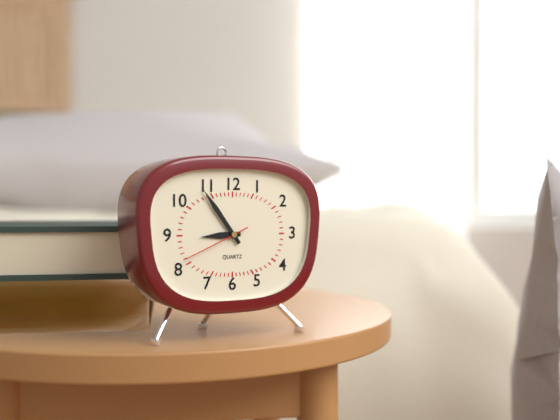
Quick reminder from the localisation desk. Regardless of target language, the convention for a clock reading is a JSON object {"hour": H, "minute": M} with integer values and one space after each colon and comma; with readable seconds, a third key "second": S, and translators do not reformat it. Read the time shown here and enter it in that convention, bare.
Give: {"hour": 8, "minute": 54, "second": 41}
